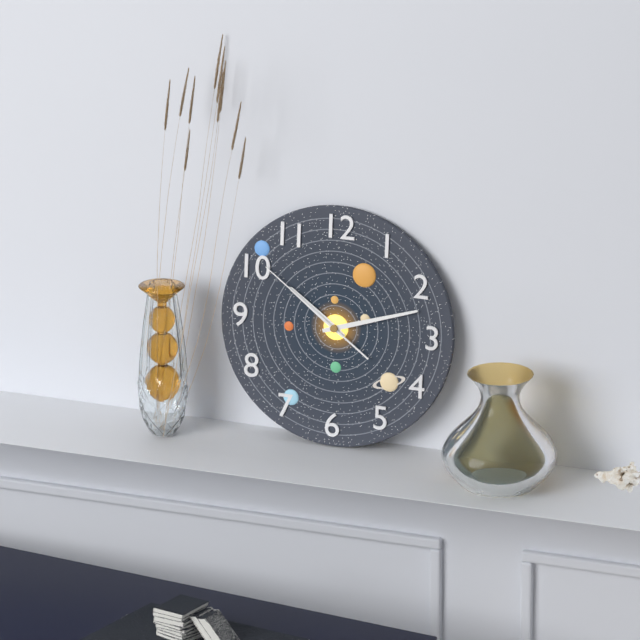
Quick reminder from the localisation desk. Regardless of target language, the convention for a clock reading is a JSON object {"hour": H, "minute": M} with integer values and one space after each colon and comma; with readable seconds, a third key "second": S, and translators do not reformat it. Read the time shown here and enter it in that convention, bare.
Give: {"hour": 10, "minute": 12, "second": 51}
